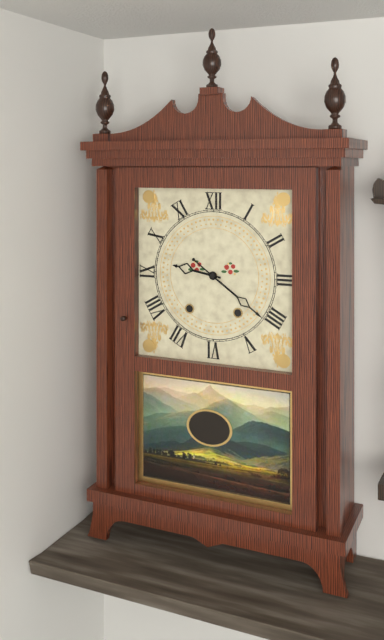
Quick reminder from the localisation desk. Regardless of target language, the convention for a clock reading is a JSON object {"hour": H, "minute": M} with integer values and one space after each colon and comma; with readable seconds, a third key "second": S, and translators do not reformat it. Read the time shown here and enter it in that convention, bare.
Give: {"hour": 9, "minute": 21}
